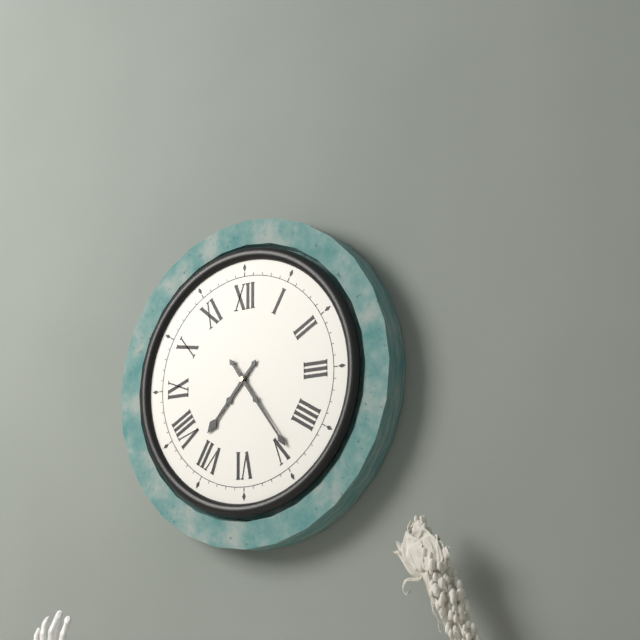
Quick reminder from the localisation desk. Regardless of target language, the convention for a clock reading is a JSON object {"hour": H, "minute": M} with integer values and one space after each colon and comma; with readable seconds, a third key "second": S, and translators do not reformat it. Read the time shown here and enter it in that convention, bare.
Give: {"hour": 7, "minute": 24}
